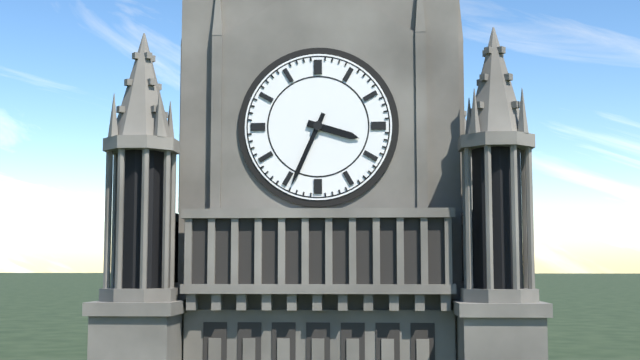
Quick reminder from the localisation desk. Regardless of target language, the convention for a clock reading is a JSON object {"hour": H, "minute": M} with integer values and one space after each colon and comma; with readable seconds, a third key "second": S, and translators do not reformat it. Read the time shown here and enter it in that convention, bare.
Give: {"hour": 3, "minute": 34}
